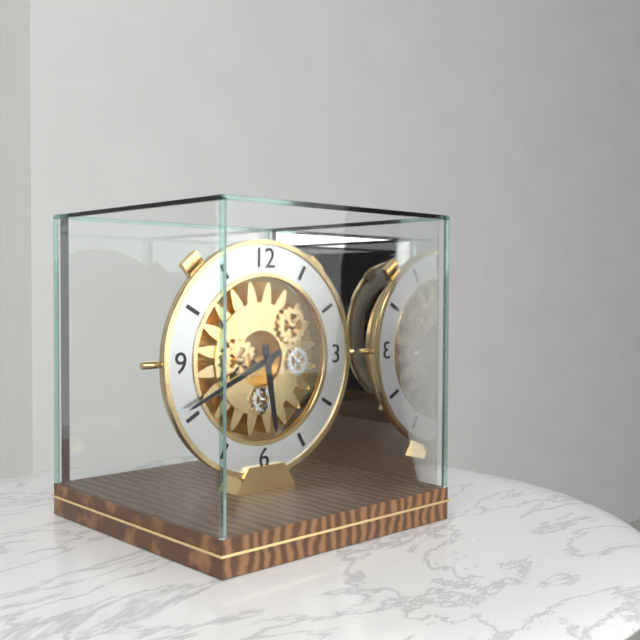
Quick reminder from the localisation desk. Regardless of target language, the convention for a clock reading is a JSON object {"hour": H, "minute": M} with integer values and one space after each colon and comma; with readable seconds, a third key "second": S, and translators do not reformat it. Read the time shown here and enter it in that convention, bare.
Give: {"hour": 5, "minute": 41}
